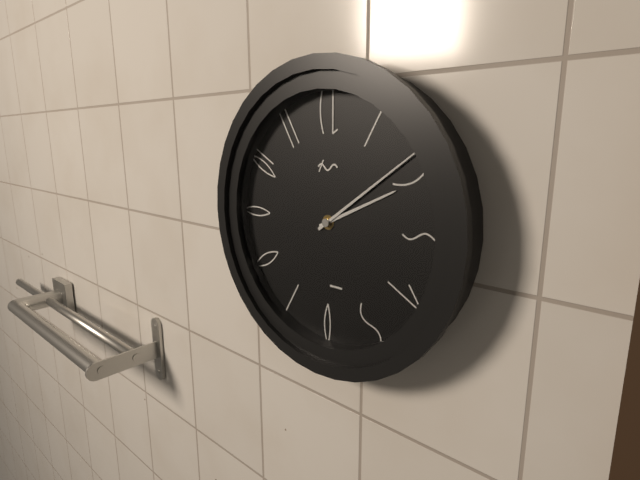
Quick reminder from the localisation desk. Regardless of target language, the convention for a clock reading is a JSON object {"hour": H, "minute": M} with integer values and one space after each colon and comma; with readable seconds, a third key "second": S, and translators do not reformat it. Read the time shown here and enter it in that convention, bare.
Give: {"hour": 2, "minute": 9}
